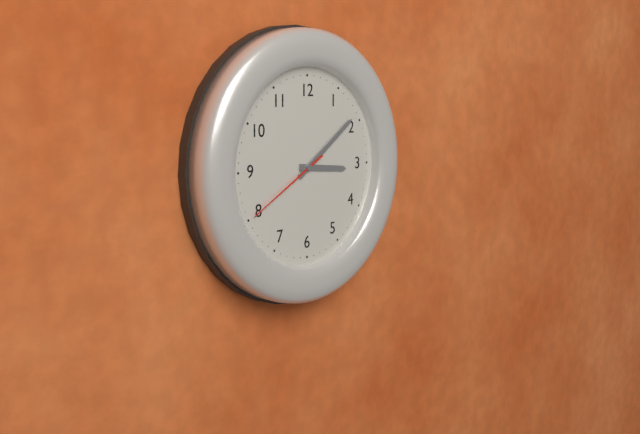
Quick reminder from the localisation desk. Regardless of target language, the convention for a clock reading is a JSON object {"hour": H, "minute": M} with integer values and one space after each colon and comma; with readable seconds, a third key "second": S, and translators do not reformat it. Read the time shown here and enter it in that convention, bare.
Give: {"hour": 3, "minute": 9, "second": 40}
